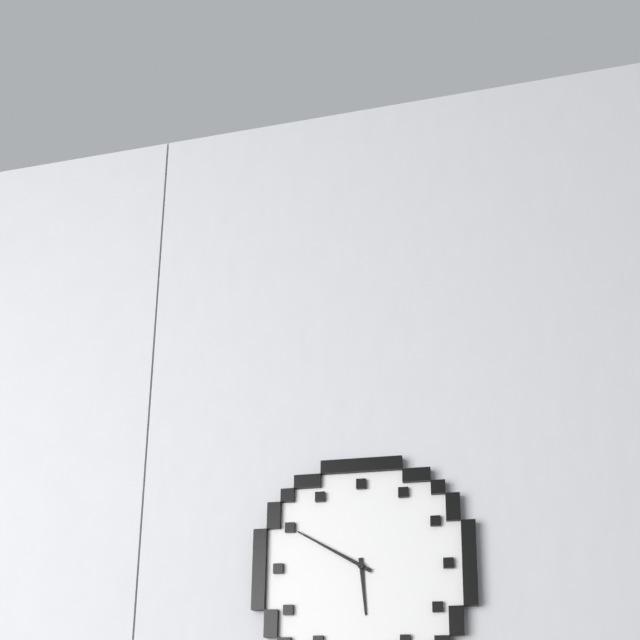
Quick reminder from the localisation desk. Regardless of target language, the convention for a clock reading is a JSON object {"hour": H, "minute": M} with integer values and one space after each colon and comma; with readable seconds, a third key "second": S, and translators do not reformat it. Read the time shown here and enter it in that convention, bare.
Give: {"hour": 5, "minute": 50}
